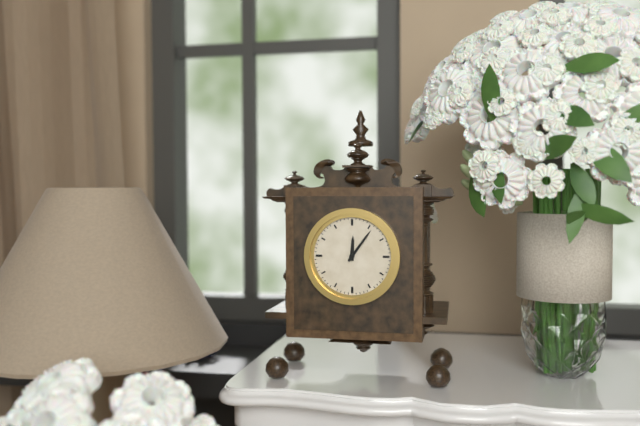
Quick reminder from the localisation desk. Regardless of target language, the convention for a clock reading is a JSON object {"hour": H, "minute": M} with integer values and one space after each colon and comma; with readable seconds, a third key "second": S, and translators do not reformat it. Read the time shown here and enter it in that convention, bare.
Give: {"hour": 12, "minute": 6}
